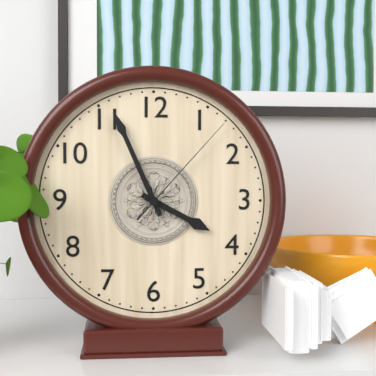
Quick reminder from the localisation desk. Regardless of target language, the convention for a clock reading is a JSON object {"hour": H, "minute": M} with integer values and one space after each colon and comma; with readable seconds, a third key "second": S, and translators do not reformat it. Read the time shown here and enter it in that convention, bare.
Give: {"hour": 3, "minute": 56, "second": 7}
